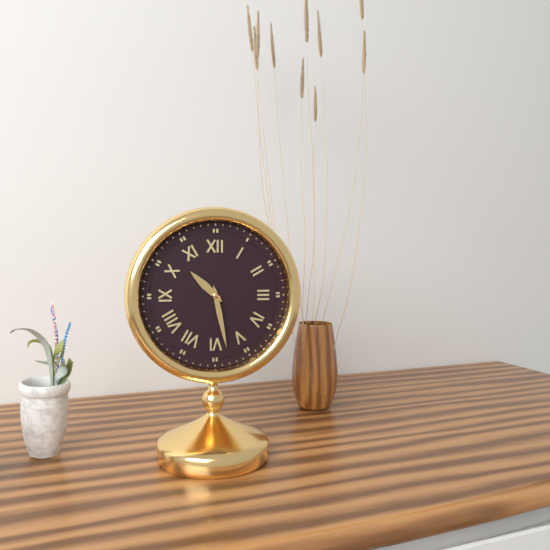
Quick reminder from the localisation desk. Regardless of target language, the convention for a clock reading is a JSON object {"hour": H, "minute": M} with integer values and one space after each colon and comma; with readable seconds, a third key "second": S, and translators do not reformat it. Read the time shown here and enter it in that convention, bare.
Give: {"hour": 10, "minute": 28}
